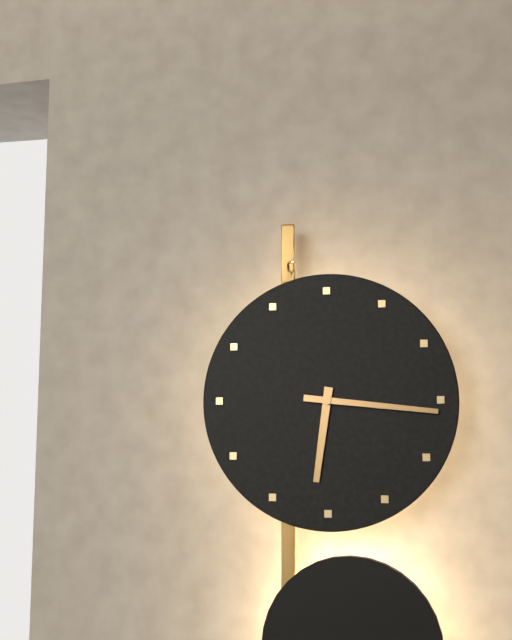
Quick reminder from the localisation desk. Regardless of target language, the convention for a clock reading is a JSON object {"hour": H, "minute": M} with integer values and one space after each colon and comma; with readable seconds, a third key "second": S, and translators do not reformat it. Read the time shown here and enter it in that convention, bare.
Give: {"hour": 6, "minute": 16}
